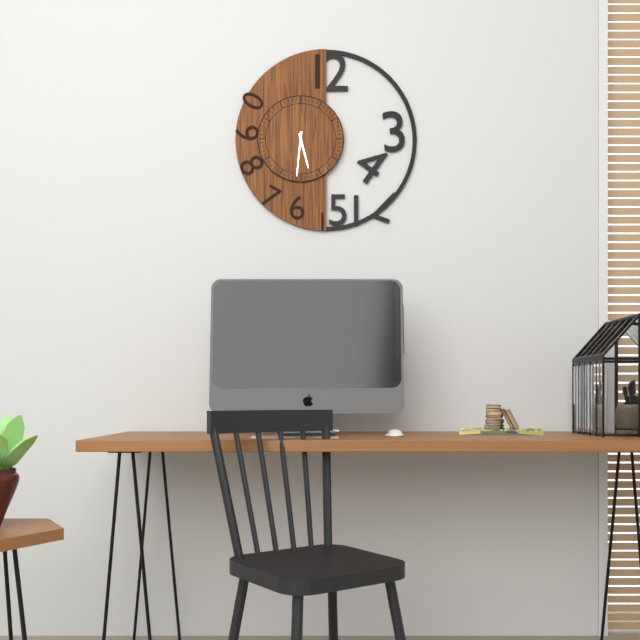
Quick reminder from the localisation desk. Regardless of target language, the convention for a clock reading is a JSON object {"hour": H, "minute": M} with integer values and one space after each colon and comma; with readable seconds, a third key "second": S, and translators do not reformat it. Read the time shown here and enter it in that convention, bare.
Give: {"hour": 5, "minute": 31}
